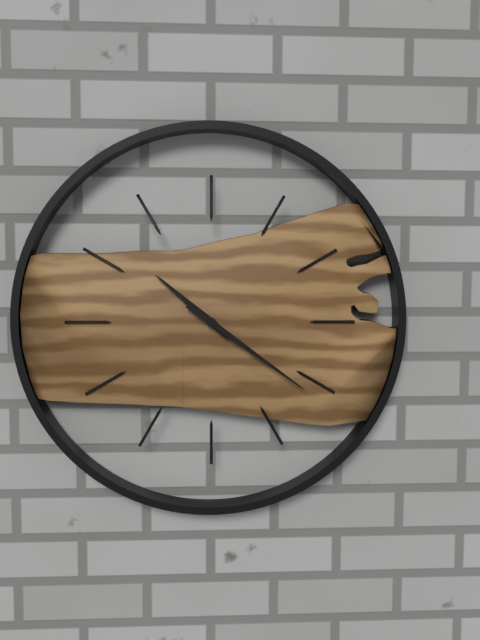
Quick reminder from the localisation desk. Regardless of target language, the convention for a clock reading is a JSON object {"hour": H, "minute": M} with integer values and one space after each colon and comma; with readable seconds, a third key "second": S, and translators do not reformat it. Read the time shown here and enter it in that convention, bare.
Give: {"hour": 10, "minute": 21}
